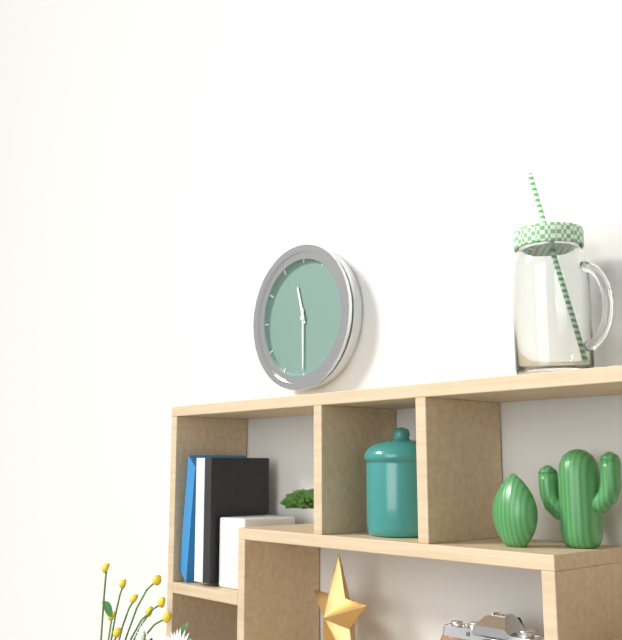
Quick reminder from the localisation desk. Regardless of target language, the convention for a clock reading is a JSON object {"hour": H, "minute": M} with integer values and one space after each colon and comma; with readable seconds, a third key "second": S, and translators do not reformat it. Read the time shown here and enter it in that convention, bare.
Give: {"hour": 11, "minute": 30}
